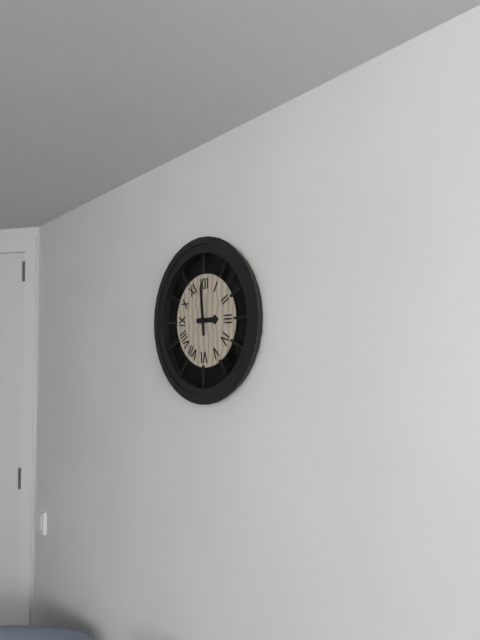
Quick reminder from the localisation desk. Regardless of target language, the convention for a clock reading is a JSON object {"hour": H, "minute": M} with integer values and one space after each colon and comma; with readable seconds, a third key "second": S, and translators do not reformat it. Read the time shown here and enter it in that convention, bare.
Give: {"hour": 2, "minute": 59}
